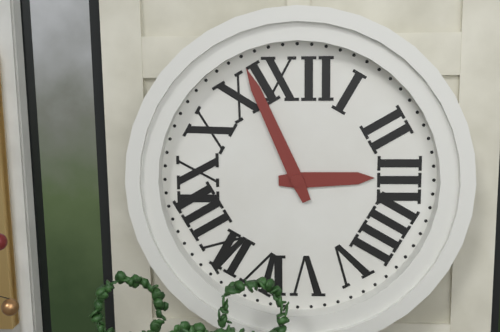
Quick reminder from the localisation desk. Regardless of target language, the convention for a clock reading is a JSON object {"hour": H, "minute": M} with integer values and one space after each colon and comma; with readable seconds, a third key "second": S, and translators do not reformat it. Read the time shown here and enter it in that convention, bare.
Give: {"hour": 2, "minute": 56}
